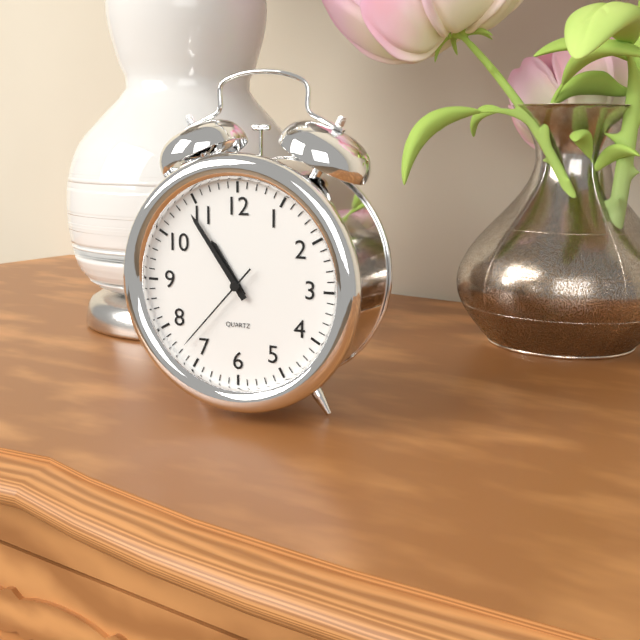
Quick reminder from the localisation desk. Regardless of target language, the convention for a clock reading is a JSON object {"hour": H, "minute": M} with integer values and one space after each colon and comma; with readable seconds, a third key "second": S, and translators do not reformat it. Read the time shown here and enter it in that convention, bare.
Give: {"hour": 10, "minute": 54, "second": 37}
